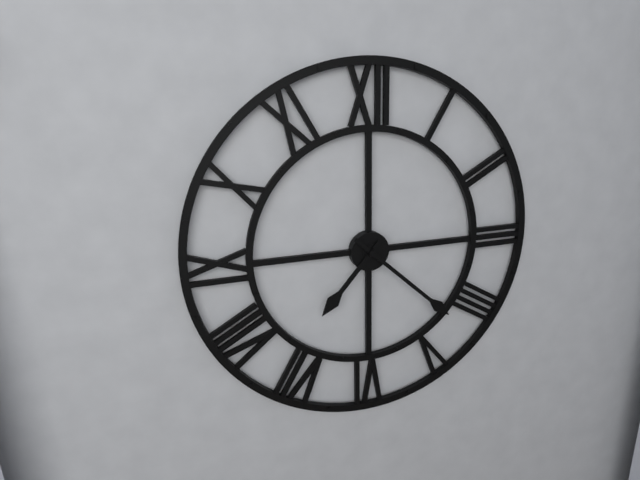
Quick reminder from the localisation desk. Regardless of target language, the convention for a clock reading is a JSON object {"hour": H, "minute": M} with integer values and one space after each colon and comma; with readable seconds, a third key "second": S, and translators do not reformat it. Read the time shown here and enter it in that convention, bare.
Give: {"hour": 7, "minute": 22}
